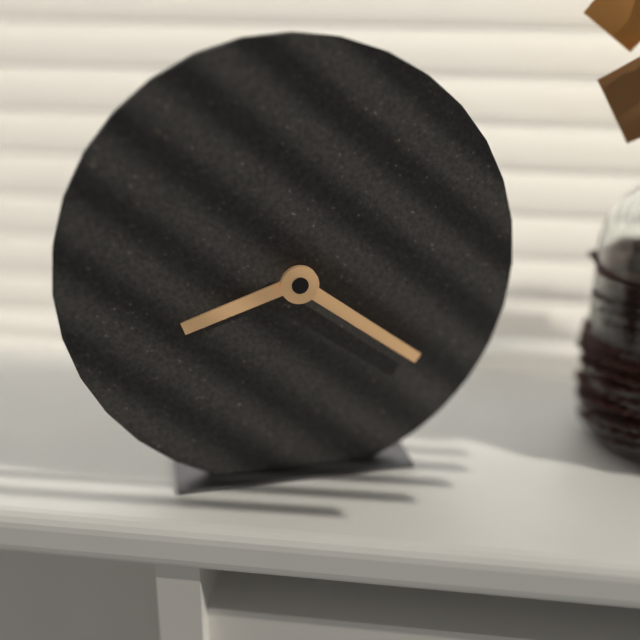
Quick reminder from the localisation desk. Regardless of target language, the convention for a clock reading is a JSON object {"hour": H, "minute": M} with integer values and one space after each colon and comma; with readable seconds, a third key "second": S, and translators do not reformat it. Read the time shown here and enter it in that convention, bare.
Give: {"hour": 8, "minute": 21}
